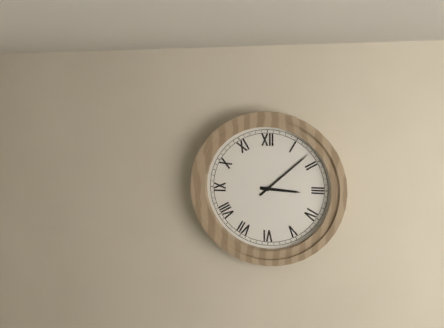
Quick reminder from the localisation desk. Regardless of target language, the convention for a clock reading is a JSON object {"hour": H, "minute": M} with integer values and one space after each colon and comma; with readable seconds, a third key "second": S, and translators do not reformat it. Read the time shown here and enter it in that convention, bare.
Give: {"hour": 3, "minute": 8}
